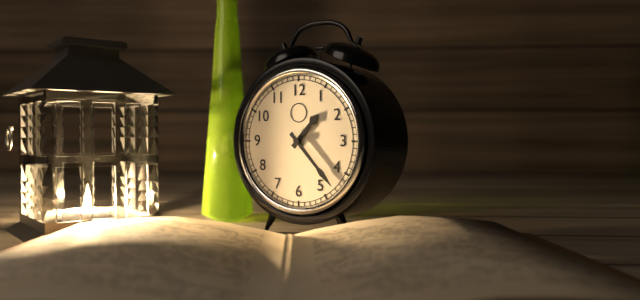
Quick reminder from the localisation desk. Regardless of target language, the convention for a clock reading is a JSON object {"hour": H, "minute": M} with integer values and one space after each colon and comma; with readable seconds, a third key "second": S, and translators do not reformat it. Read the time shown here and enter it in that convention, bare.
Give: {"hour": 1, "minute": 23}
